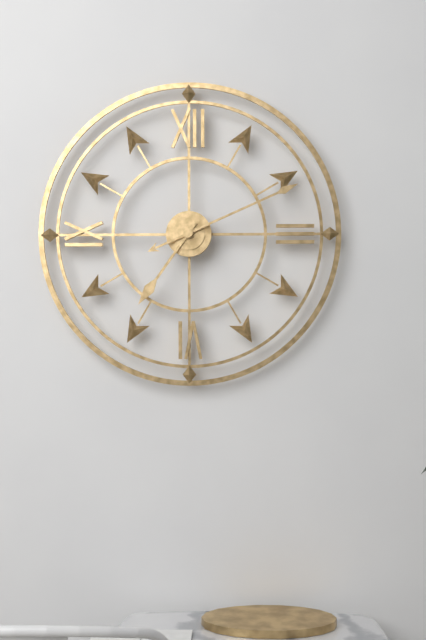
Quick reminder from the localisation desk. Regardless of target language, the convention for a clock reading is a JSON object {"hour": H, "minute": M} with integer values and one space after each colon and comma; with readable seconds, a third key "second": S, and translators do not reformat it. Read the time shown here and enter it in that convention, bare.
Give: {"hour": 7, "minute": 11}
